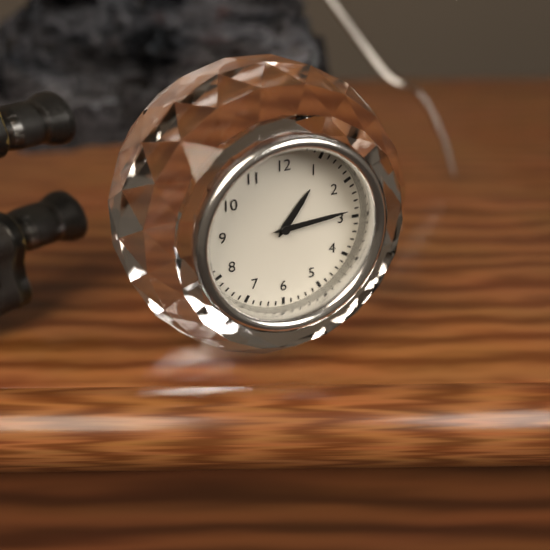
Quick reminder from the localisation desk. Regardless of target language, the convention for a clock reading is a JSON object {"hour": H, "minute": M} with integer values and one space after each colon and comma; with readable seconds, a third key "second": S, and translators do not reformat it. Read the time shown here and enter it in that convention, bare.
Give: {"hour": 1, "minute": 14}
